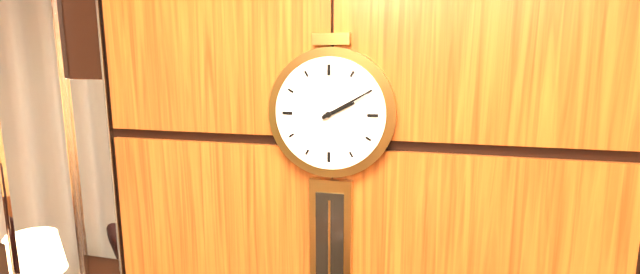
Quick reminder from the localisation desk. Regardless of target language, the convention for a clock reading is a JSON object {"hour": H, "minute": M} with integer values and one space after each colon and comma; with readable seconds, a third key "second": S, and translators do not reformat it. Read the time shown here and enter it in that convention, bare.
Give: {"hour": 2, "minute": 10}
